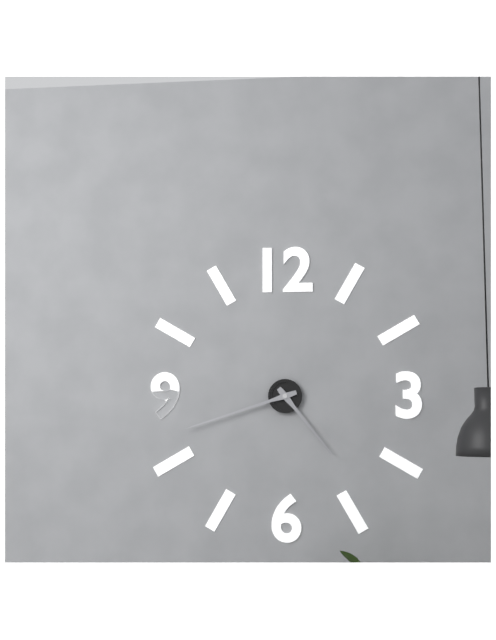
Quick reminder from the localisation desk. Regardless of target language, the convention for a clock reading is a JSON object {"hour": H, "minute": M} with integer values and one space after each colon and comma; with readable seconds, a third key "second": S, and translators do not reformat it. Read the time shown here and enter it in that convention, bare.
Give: {"hour": 4, "minute": 42}
